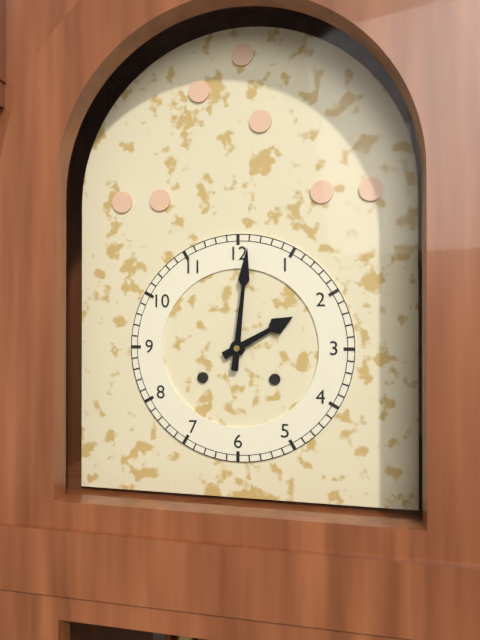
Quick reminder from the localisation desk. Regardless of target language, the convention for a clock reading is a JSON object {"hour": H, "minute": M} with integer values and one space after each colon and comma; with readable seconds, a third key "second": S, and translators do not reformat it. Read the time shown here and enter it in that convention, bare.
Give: {"hour": 2, "minute": 1}
